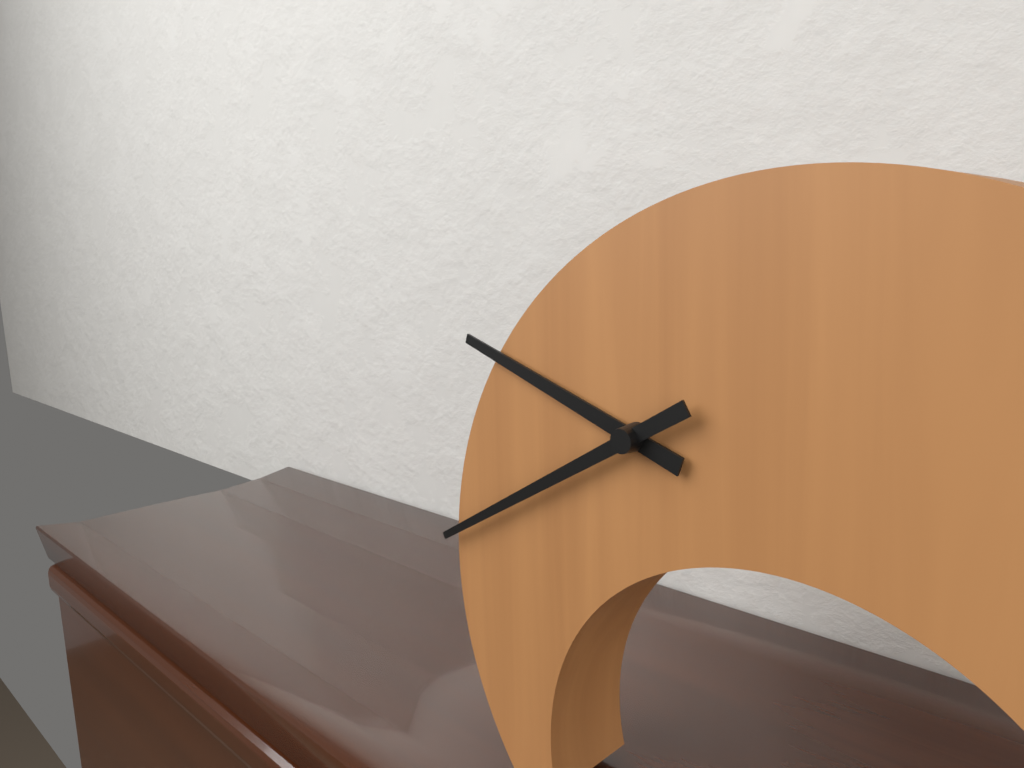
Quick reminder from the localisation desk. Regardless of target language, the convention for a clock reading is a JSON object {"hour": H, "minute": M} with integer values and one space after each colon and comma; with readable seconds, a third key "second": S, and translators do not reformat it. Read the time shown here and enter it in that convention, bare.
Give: {"hour": 9, "minute": 40}
